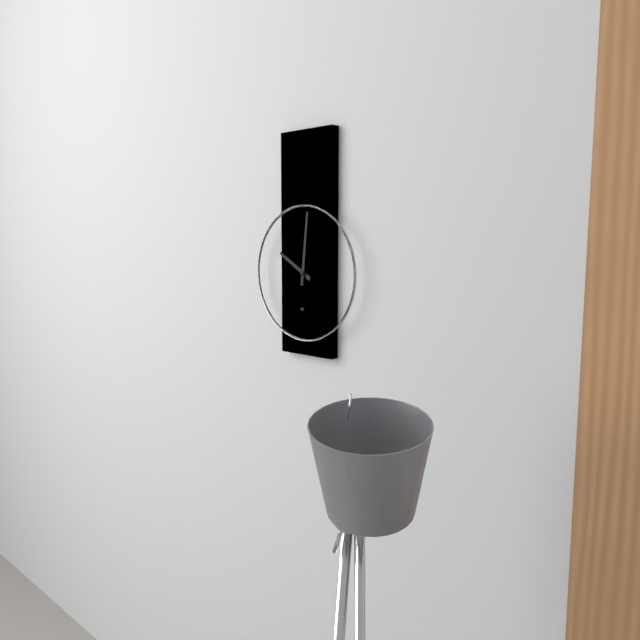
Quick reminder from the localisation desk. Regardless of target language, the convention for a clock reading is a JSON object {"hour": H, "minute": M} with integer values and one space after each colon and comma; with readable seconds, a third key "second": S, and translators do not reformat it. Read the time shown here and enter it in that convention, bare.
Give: {"hour": 10, "minute": 1}
